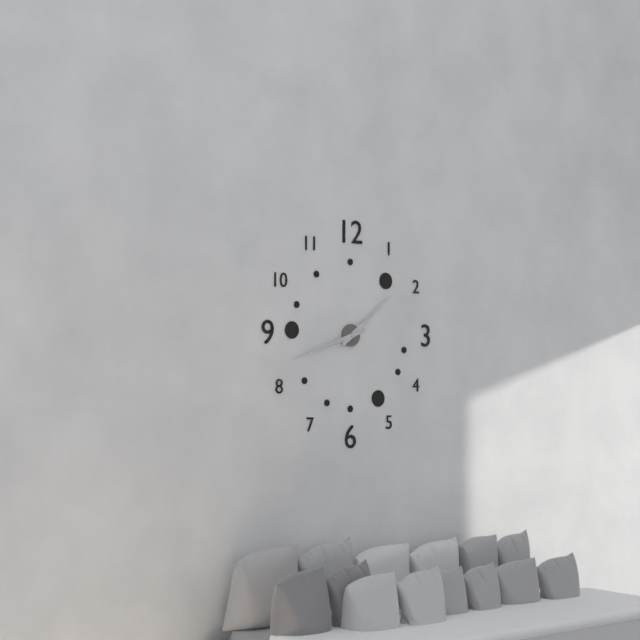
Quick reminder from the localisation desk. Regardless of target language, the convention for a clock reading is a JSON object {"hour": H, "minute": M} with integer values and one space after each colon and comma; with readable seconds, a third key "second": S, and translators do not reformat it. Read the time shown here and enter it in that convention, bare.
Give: {"hour": 1, "minute": 42}
